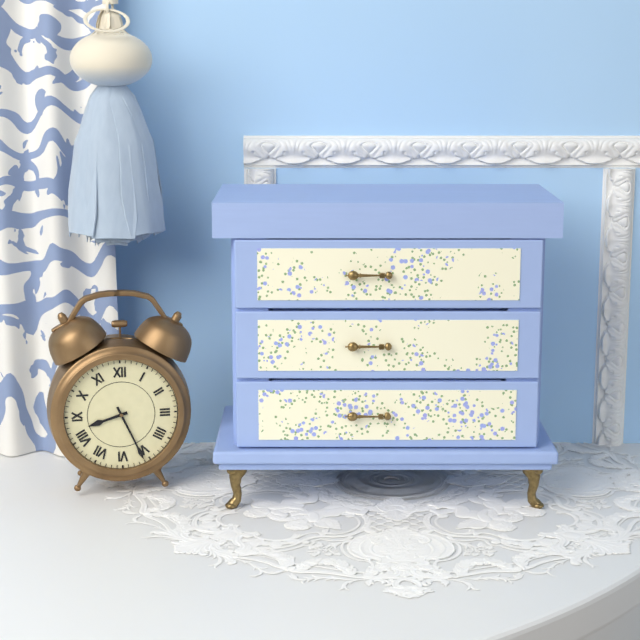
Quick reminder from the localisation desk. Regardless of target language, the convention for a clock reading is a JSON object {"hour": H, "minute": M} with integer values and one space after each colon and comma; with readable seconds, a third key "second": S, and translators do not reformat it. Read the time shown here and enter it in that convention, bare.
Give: {"hour": 8, "minute": 26}
